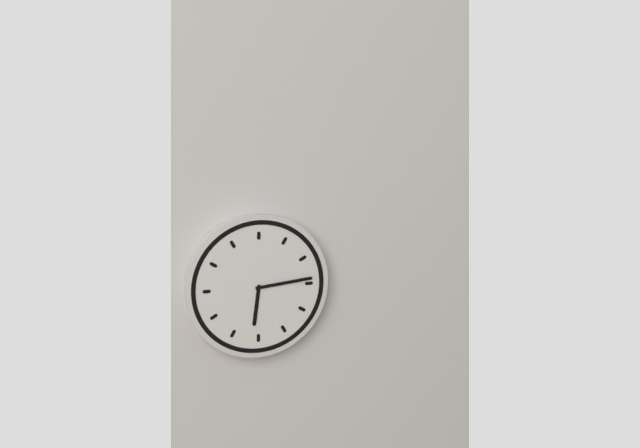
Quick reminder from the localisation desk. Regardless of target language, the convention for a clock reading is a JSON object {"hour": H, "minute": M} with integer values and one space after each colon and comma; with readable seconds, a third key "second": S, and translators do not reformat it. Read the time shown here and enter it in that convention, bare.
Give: {"hour": 6, "minute": 14}
